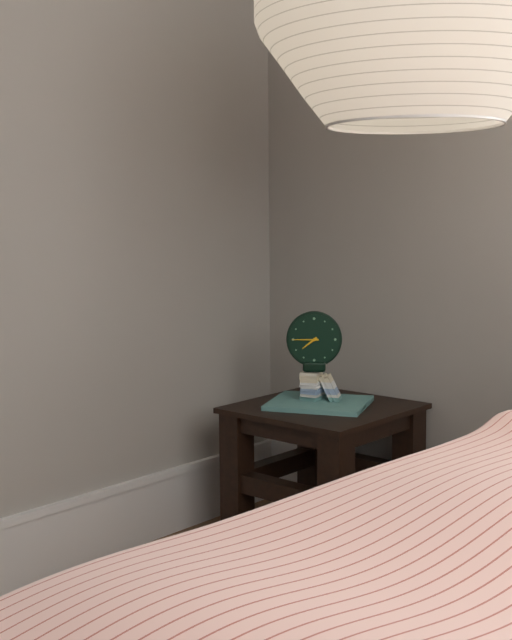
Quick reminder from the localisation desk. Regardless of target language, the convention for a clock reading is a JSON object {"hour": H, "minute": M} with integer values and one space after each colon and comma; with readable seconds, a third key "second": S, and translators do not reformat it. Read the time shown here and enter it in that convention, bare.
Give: {"hour": 7, "minute": 45}
